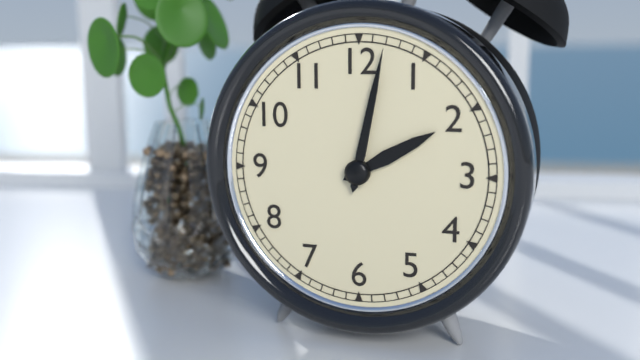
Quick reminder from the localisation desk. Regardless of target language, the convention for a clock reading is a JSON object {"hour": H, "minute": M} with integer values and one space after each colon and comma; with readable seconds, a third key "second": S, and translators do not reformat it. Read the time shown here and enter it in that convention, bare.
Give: {"hour": 2, "minute": 2}
